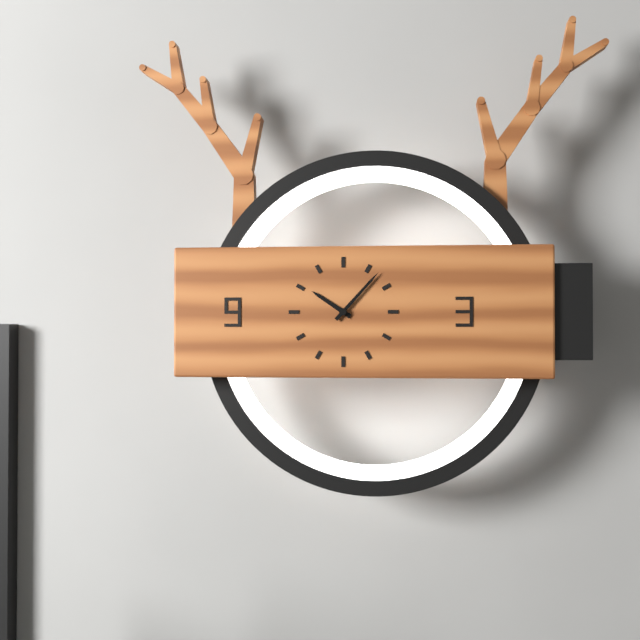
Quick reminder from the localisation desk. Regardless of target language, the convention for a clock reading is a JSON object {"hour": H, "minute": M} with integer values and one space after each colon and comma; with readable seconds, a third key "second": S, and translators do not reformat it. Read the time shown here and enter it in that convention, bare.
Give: {"hour": 10, "minute": 7}
